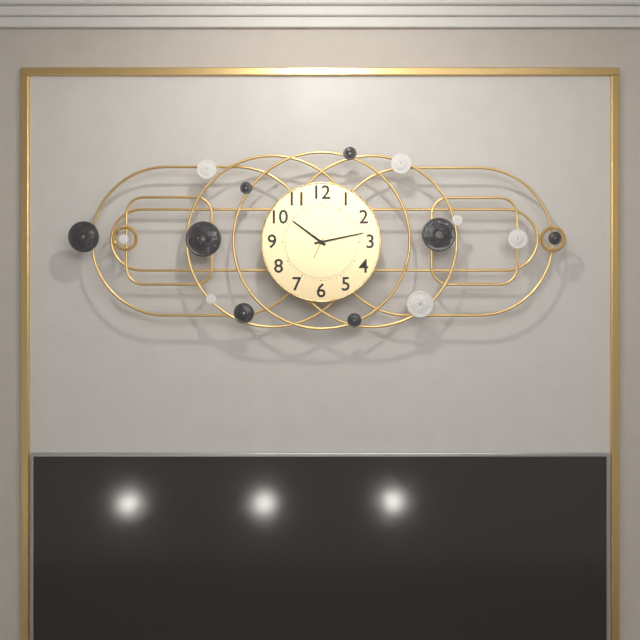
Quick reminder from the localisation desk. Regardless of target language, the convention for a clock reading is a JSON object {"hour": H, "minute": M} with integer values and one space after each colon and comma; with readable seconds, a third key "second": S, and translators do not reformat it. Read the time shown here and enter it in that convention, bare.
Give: {"hour": 10, "minute": 13}
